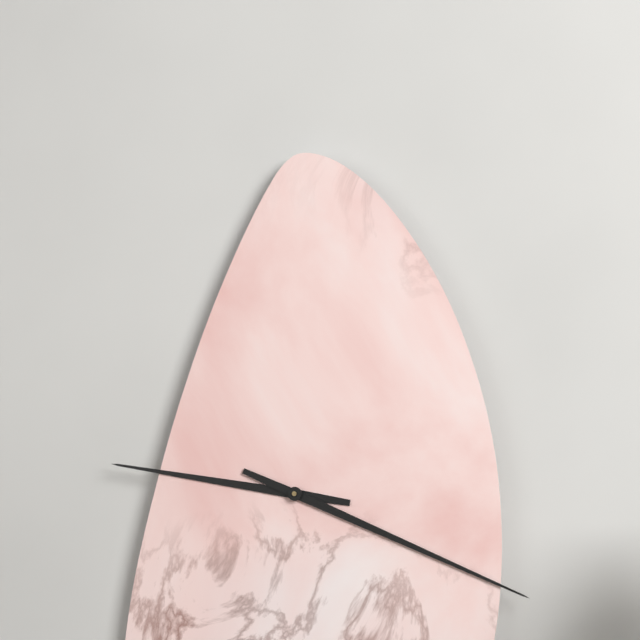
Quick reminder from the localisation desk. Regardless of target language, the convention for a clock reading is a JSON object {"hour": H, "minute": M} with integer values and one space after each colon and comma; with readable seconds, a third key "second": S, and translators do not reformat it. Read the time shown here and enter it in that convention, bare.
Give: {"hour": 9, "minute": 19}
